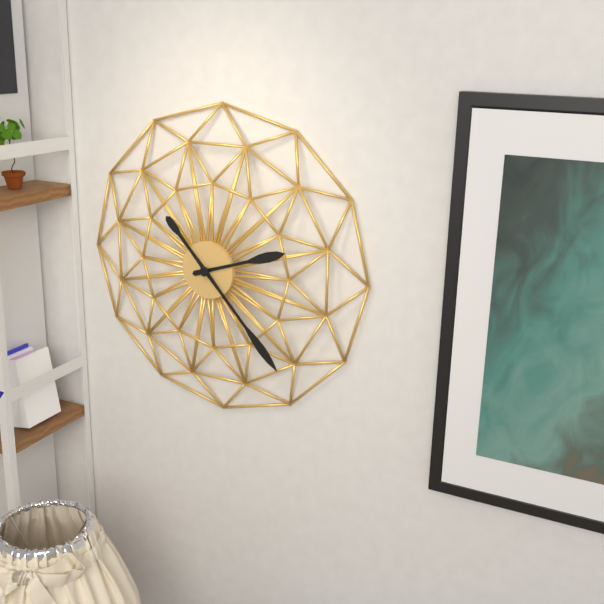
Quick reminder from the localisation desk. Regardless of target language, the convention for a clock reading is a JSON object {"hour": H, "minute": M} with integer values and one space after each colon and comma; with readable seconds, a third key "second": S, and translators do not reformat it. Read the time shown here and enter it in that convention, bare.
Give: {"hour": 2, "minute": 23}
